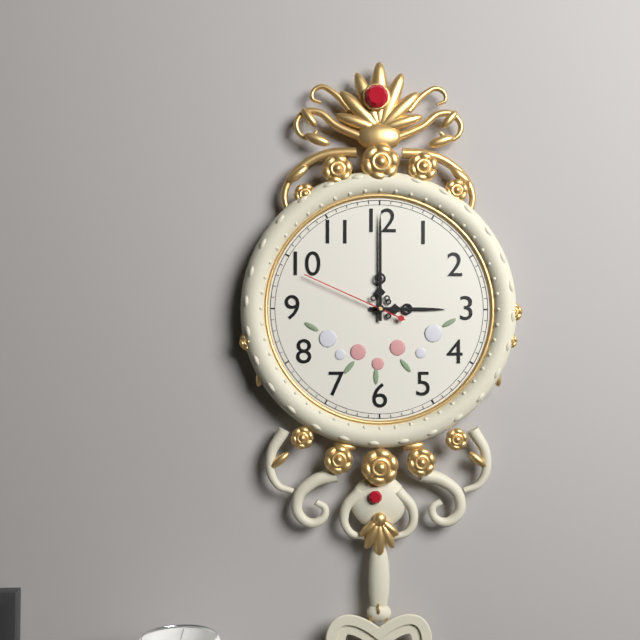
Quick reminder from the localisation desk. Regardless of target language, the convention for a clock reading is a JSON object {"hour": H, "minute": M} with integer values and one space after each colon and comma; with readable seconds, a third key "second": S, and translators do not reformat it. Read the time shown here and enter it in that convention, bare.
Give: {"hour": 3, "minute": 0, "second": 49}
